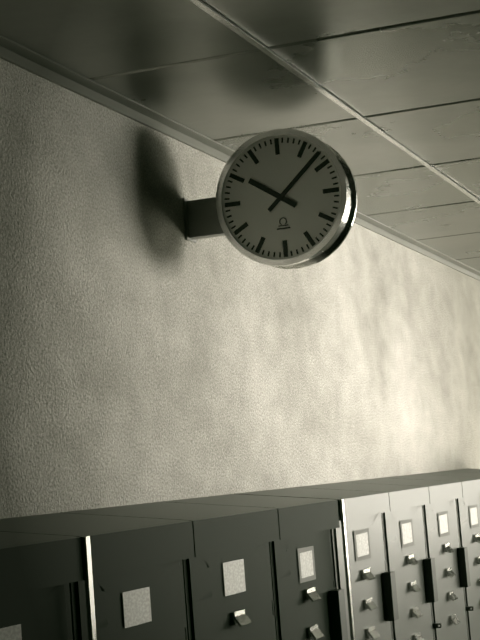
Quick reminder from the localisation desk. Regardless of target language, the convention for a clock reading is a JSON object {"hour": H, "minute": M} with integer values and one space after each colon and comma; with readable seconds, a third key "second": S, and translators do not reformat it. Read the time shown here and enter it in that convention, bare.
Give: {"hour": 10, "minute": 8}
